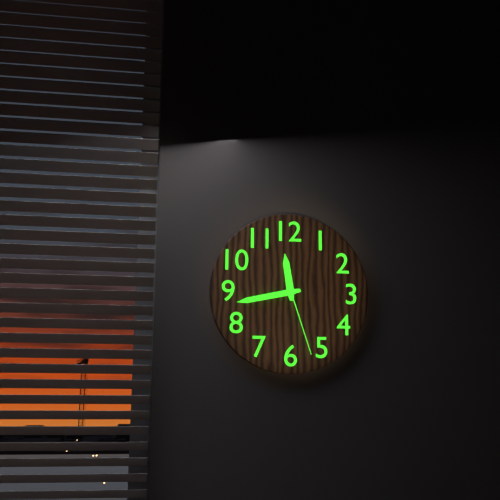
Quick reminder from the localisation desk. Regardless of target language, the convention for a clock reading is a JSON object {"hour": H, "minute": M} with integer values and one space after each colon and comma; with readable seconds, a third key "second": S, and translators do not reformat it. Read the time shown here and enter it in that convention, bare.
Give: {"hour": 11, "minute": 43, "second": 27}
